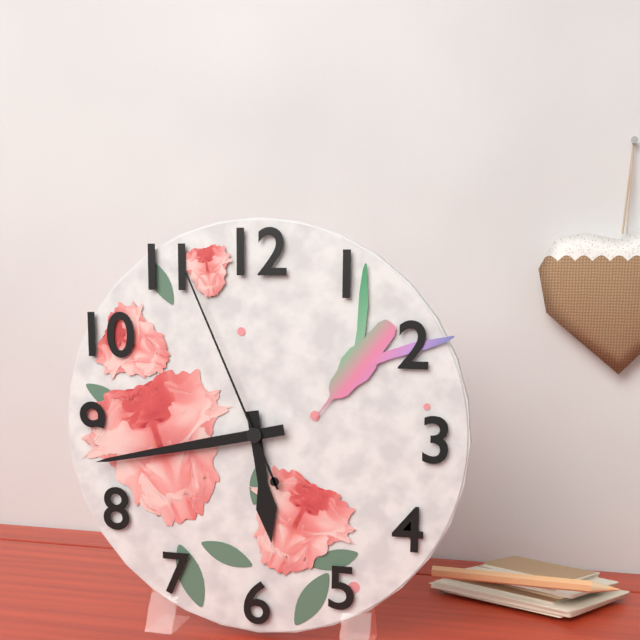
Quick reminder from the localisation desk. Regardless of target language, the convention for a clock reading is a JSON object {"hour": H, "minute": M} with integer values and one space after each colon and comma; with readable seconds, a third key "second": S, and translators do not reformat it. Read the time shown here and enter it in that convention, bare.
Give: {"hour": 5, "minute": 43, "second": 56}
